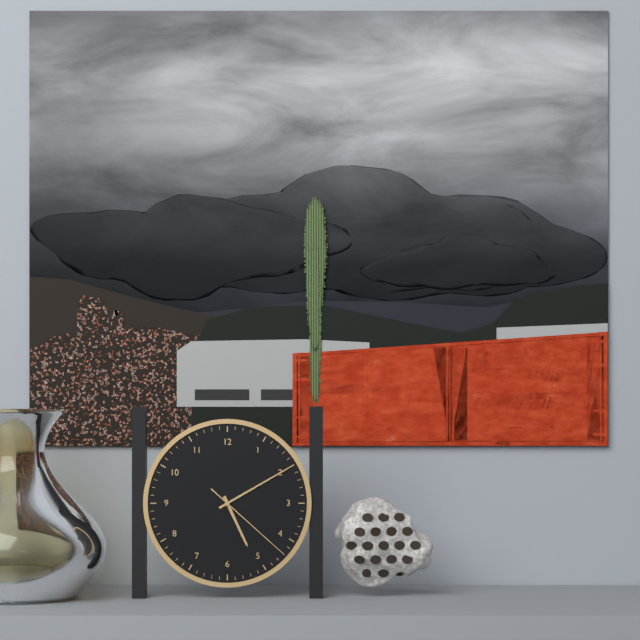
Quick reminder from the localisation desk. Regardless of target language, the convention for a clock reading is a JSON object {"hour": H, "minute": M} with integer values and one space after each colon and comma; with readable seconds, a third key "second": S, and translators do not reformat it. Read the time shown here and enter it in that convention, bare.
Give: {"hour": 5, "minute": 10, "second": 22}
